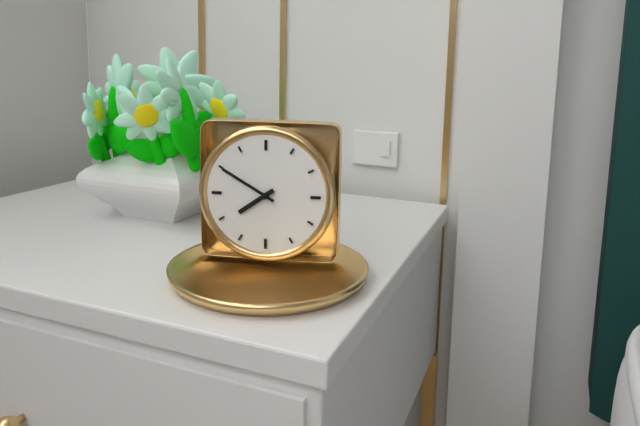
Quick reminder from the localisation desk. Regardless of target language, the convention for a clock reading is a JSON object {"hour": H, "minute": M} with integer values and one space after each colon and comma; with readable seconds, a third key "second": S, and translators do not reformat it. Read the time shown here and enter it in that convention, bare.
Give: {"hour": 7, "minute": 50}
